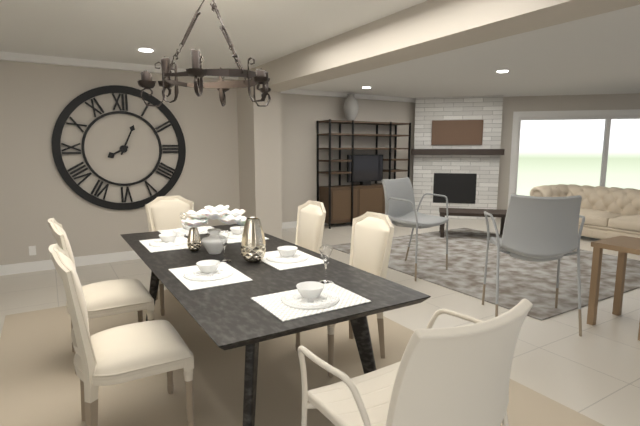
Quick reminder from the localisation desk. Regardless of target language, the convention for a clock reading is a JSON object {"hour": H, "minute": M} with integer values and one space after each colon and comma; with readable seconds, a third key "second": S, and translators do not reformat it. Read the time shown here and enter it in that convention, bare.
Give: {"hour": 8, "minute": 4}
